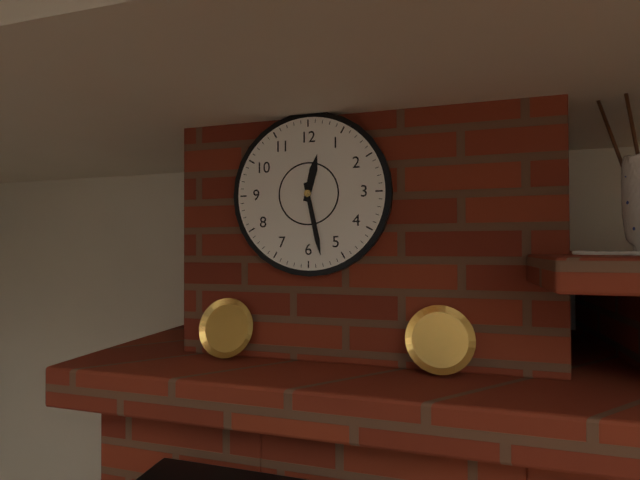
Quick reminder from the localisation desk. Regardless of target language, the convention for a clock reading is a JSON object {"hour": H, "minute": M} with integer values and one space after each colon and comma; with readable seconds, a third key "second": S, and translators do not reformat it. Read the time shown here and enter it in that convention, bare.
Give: {"hour": 12, "minute": 28}
